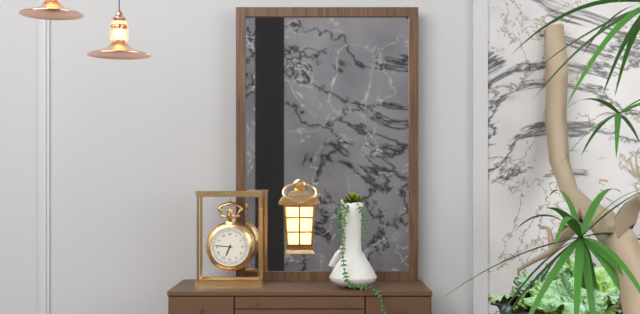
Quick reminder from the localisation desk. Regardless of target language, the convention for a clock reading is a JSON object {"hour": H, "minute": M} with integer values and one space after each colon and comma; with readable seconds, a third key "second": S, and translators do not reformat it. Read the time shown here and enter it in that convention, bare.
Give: {"hour": 6, "minute": 46}
